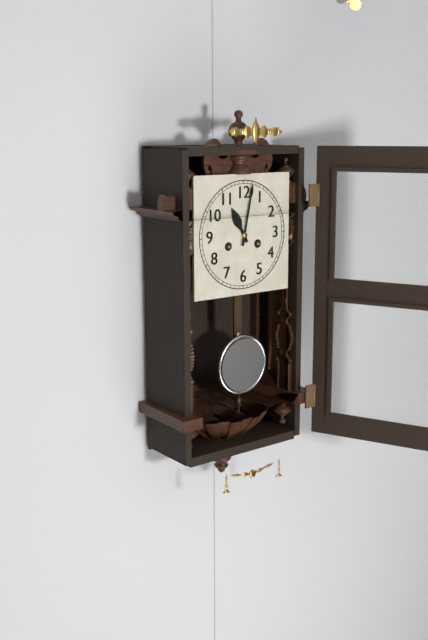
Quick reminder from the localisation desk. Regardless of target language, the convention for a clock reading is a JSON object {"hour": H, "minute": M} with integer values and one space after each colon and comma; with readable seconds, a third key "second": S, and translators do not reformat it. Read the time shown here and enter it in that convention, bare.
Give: {"hour": 11, "minute": 2}
